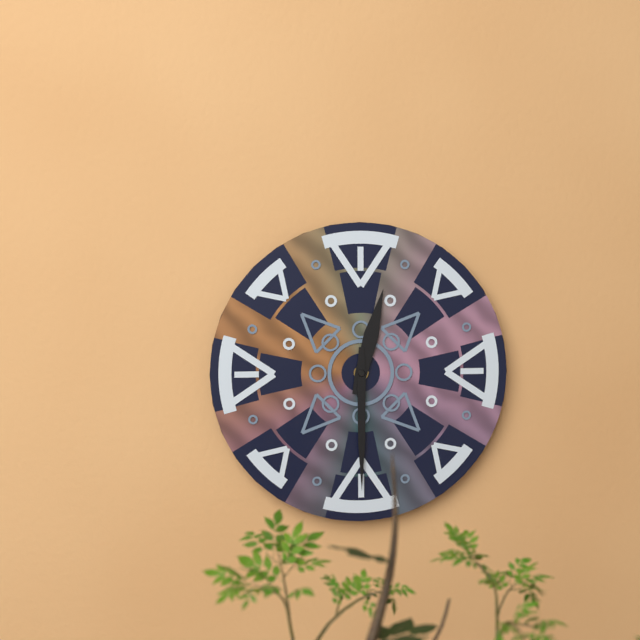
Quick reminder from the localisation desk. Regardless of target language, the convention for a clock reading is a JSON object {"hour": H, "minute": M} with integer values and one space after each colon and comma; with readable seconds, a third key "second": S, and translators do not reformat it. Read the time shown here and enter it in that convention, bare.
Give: {"hour": 12, "minute": 30}
